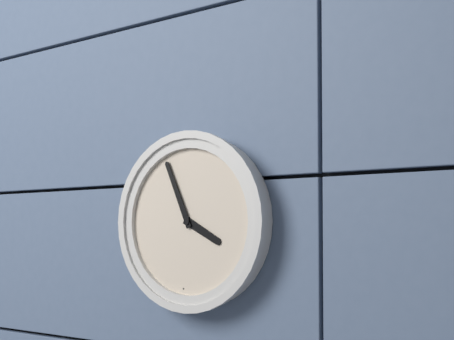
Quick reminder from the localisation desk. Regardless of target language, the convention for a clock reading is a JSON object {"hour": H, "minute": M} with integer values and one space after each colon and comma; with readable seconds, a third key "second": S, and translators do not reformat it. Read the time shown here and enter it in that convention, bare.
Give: {"hour": 3, "minute": 56}
